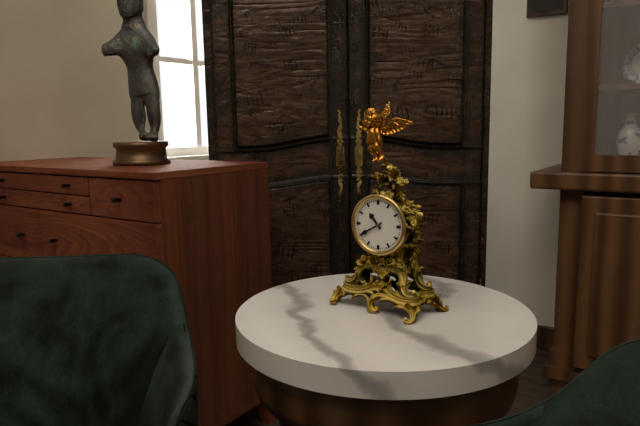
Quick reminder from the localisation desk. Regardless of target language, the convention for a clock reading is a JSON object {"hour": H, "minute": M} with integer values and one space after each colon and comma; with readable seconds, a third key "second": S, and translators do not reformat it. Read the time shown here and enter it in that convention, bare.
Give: {"hour": 10, "minute": 40}
